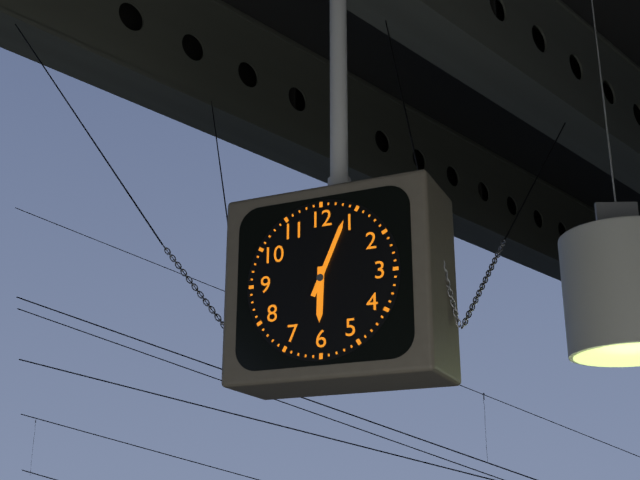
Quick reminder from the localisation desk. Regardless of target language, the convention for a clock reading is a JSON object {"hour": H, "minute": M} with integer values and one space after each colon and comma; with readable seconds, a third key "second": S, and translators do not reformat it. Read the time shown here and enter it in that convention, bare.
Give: {"hour": 6, "minute": 4}
